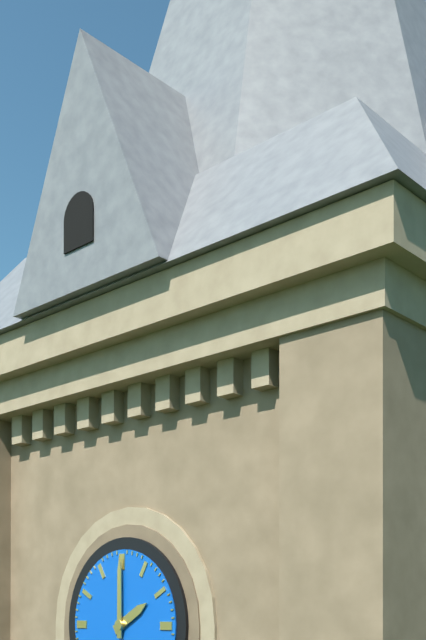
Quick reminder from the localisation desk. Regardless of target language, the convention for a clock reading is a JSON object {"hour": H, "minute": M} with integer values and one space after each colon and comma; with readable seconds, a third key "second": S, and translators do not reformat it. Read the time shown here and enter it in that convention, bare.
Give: {"hour": 2, "minute": 0}
